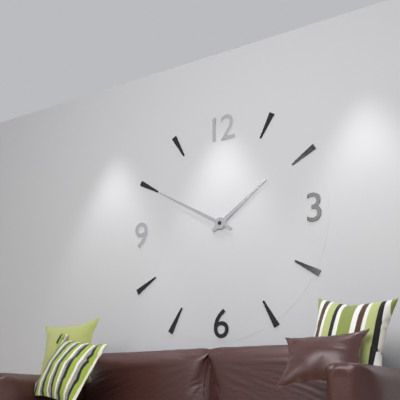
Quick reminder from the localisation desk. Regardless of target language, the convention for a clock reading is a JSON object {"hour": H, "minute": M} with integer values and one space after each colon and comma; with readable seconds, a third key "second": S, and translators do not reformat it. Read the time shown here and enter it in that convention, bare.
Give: {"hour": 1, "minute": 50}
